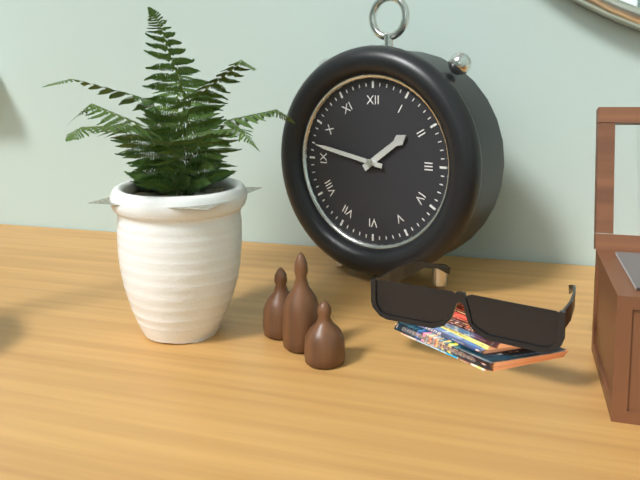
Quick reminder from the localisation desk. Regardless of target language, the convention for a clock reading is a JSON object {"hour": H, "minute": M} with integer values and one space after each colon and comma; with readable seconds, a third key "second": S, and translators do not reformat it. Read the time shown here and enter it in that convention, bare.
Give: {"hour": 1, "minute": 47}
